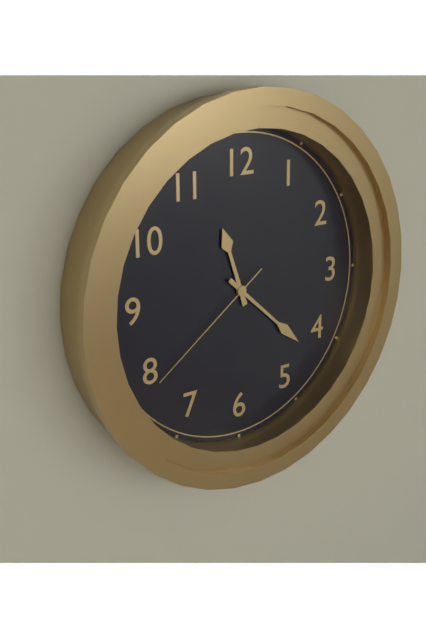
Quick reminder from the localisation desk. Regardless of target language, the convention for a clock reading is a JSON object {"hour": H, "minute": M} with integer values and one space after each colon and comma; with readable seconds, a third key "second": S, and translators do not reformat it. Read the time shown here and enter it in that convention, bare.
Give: {"hour": 11, "minute": 22, "second": 39}
